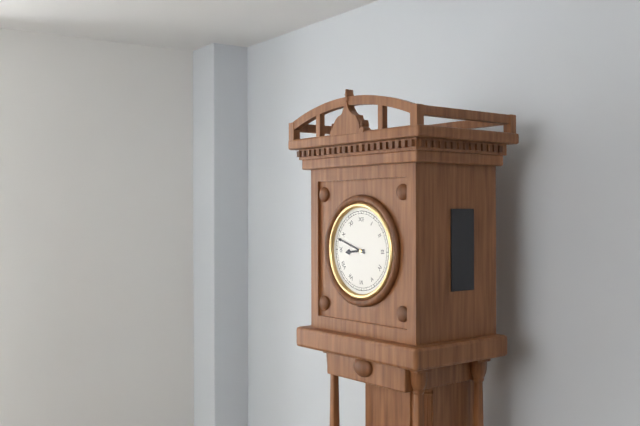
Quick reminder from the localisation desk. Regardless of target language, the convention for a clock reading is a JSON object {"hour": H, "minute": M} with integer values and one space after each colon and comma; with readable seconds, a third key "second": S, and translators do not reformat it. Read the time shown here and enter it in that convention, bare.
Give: {"hour": 8, "minute": 48}
